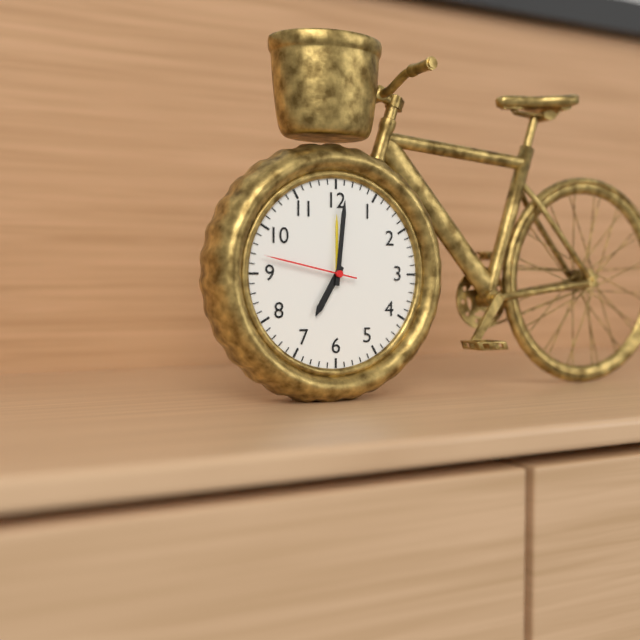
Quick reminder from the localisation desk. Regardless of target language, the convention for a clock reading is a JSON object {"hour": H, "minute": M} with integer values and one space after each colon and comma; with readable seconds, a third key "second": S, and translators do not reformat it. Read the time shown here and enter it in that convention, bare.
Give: {"hour": 7, "minute": 1, "second": 47}
